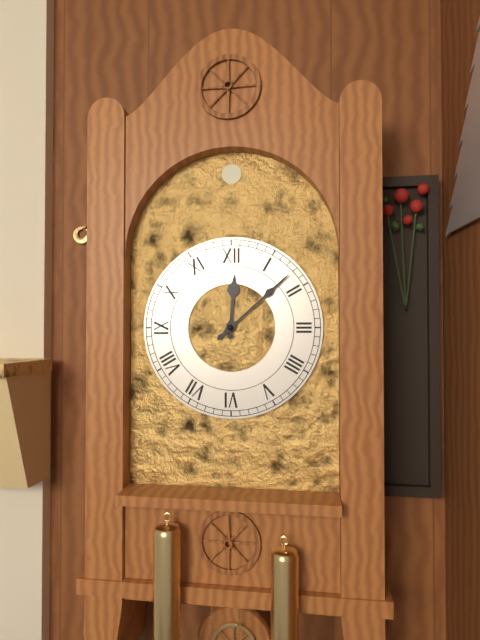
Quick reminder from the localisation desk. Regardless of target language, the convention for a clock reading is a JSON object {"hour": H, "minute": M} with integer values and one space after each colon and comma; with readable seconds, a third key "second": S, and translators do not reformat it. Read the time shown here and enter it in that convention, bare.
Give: {"hour": 12, "minute": 8}
